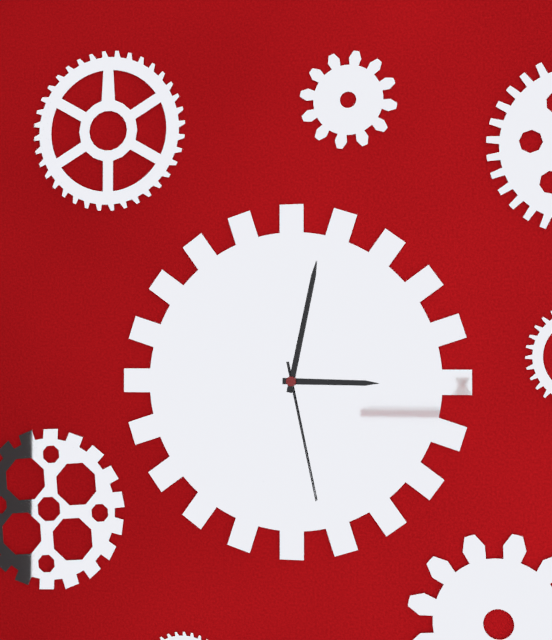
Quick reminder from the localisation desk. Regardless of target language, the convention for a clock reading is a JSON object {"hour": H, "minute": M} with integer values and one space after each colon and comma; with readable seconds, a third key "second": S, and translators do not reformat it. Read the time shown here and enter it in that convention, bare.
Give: {"hour": 3, "minute": 2, "second": 28}
